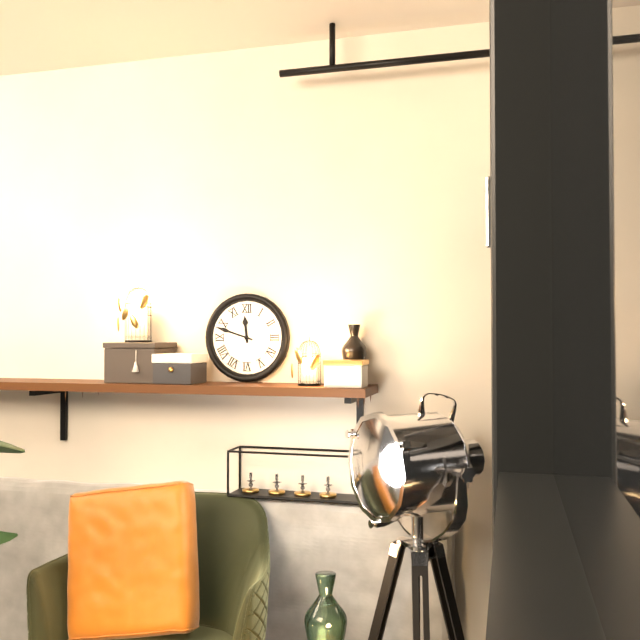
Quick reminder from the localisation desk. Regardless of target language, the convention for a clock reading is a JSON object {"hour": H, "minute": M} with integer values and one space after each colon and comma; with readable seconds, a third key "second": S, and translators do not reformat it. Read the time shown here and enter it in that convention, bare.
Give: {"hour": 11, "minute": 48}
